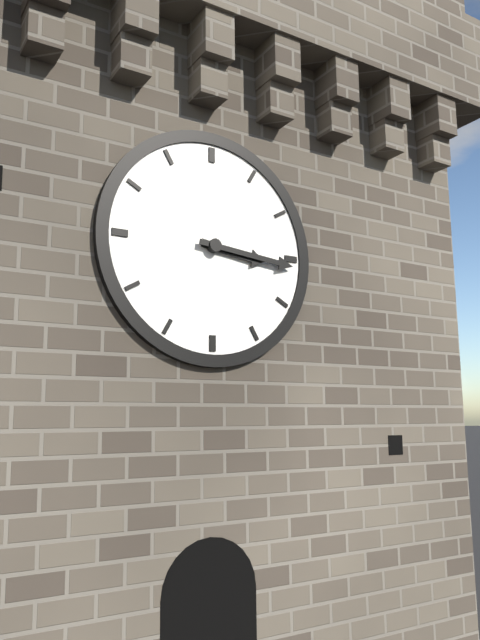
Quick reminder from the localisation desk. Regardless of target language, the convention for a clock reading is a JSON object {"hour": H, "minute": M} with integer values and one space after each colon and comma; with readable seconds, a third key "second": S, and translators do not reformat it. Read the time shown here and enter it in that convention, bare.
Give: {"hour": 3, "minute": 16}
